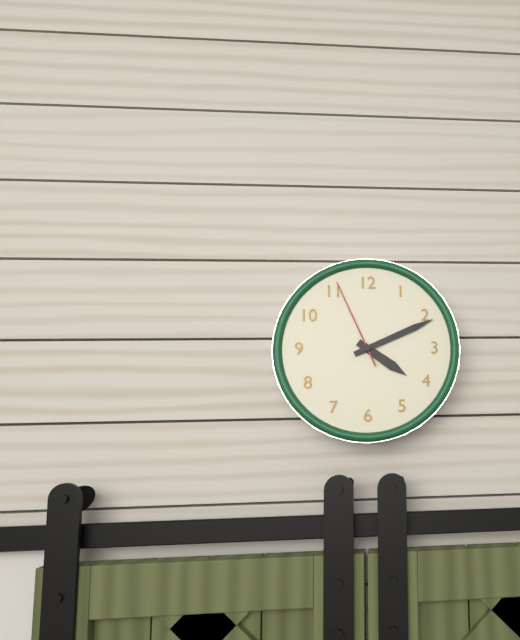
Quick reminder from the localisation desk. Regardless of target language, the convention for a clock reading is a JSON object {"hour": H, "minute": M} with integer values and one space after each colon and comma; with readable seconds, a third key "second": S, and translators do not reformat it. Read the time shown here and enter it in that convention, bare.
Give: {"hour": 4, "minute": 11, "second": 56}
